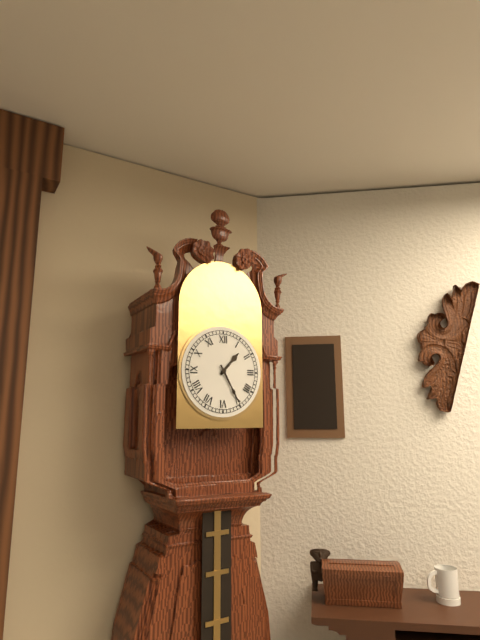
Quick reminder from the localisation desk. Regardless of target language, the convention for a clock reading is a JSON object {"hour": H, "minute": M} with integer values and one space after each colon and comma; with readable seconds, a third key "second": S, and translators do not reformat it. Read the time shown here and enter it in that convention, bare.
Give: {"hour": 1, "minute": 25}
